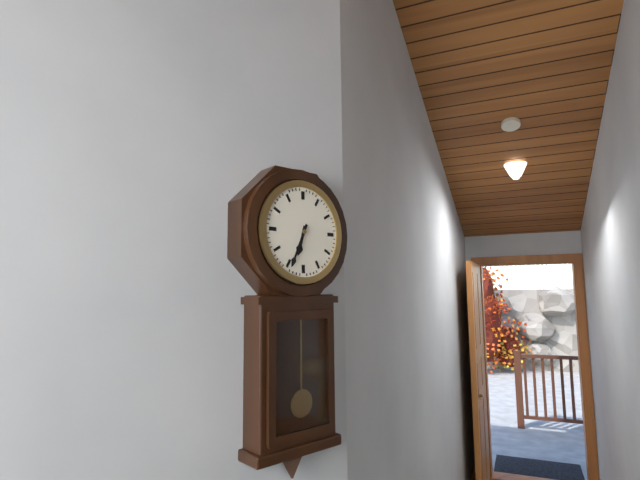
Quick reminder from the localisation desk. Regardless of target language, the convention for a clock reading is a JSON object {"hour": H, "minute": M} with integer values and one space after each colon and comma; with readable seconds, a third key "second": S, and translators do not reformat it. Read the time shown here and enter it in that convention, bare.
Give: {"hour": 6, "minute": 34}
